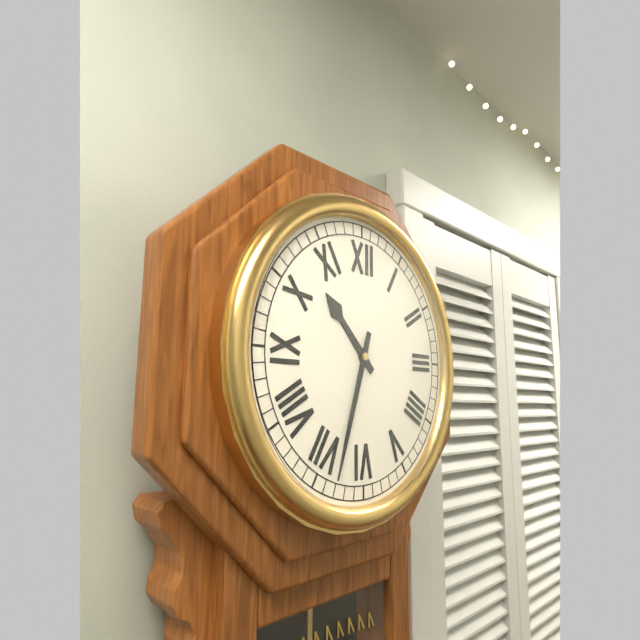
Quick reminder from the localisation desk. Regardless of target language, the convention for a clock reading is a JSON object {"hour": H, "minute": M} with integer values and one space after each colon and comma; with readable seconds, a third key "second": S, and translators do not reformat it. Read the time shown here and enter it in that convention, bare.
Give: {"hour": 10, "minute": 33}
